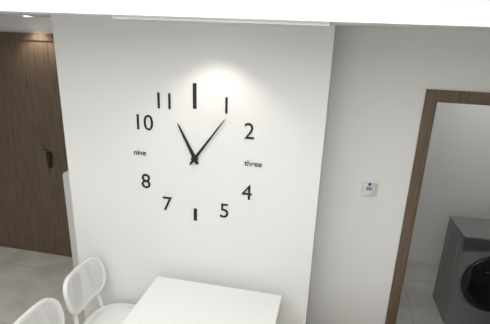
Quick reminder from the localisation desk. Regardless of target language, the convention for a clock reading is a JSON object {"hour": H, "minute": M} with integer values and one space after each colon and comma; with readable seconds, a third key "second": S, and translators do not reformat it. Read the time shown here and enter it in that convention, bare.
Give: {"hour": 11, "minute": 6}
